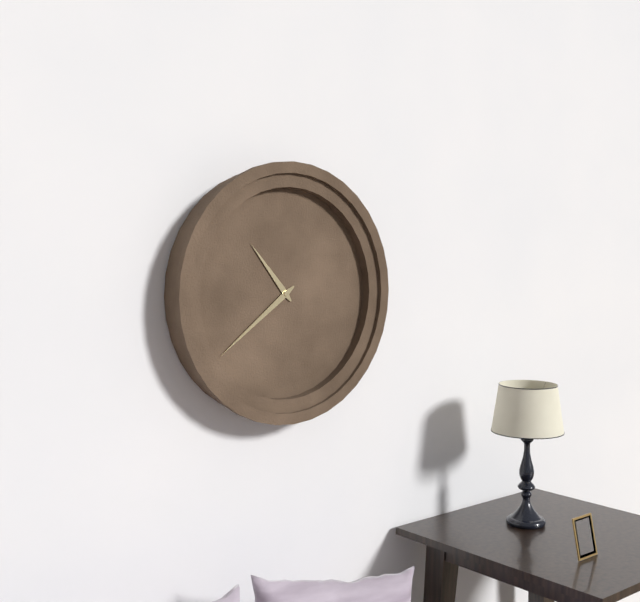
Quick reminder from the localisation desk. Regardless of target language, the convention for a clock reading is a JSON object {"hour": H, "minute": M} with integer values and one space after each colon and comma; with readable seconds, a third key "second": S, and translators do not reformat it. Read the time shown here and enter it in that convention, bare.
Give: {"hour": 10, "minute": 39}
